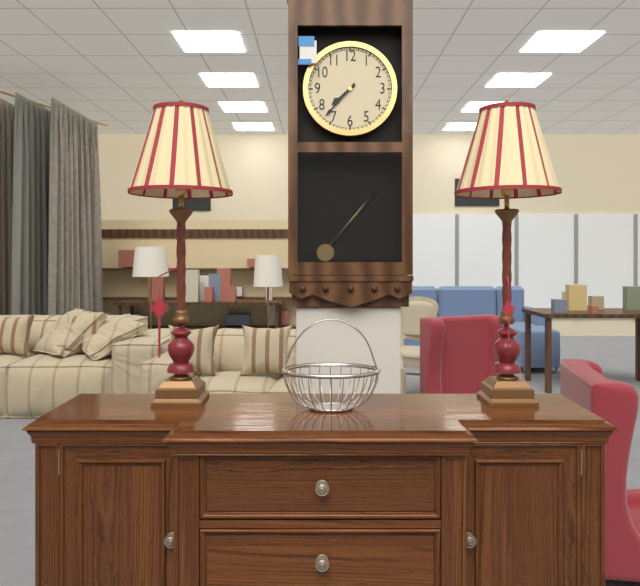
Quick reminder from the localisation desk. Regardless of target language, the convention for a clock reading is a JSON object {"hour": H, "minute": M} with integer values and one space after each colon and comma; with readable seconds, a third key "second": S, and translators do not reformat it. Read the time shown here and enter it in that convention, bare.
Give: {"hour": 7, "minute": 37}
